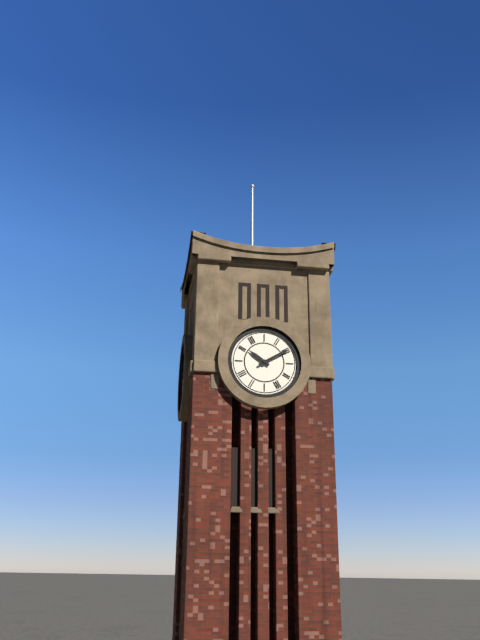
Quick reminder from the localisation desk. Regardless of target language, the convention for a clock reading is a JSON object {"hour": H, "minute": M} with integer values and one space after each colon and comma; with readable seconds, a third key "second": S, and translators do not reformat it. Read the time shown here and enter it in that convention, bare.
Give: {"hour": 10, "minute": 10}
